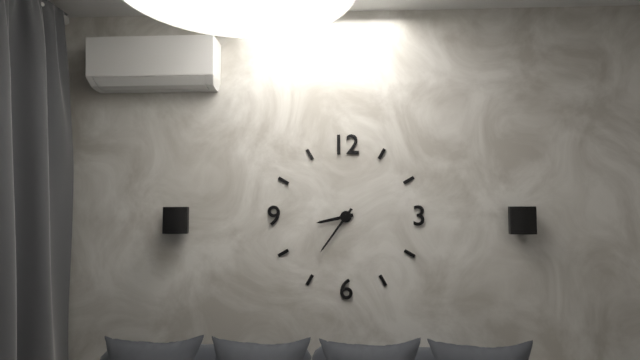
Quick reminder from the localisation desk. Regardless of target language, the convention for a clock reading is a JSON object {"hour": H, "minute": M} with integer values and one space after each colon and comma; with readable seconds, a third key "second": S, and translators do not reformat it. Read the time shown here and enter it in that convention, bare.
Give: {"hour": 8, "minute": 36}
